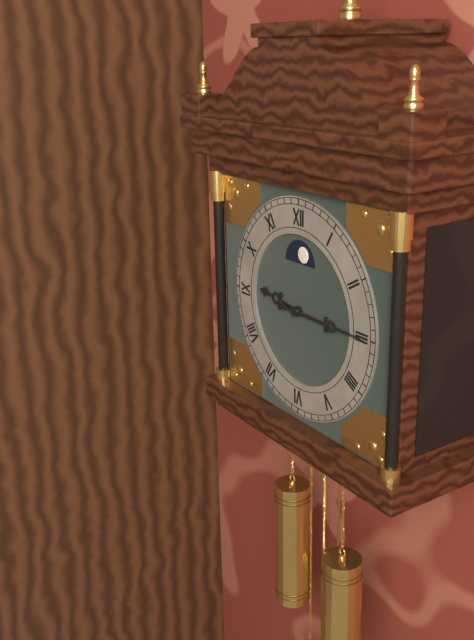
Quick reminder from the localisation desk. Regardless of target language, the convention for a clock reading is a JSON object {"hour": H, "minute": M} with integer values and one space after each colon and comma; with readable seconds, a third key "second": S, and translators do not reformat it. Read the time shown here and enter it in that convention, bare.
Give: {"hour": 9, "minute": 15}
